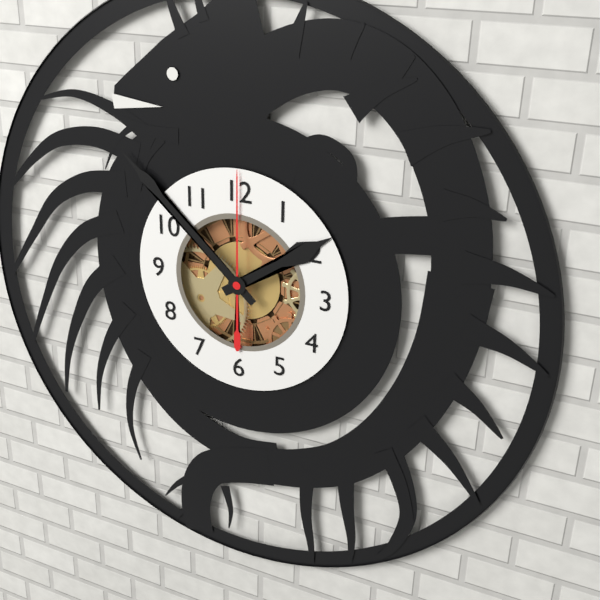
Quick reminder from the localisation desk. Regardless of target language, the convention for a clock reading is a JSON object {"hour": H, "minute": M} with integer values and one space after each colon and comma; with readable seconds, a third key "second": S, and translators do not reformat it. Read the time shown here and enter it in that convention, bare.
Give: {"hour": 1, "minute": 52, "second": 0}
